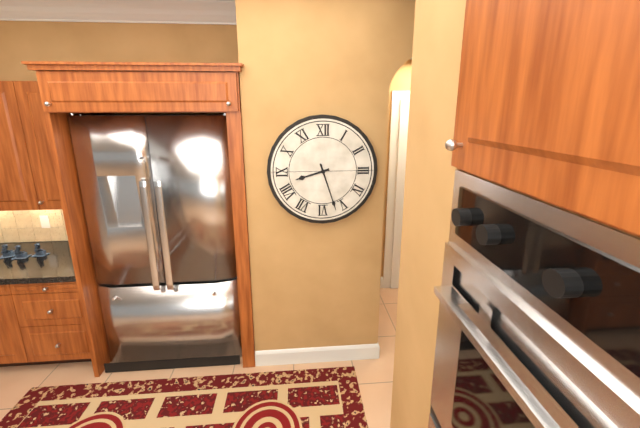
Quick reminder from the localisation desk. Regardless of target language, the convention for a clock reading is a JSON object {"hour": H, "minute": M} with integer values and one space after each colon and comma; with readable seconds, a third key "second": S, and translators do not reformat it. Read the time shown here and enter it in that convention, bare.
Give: {"hour": 8, "minute": 27}
